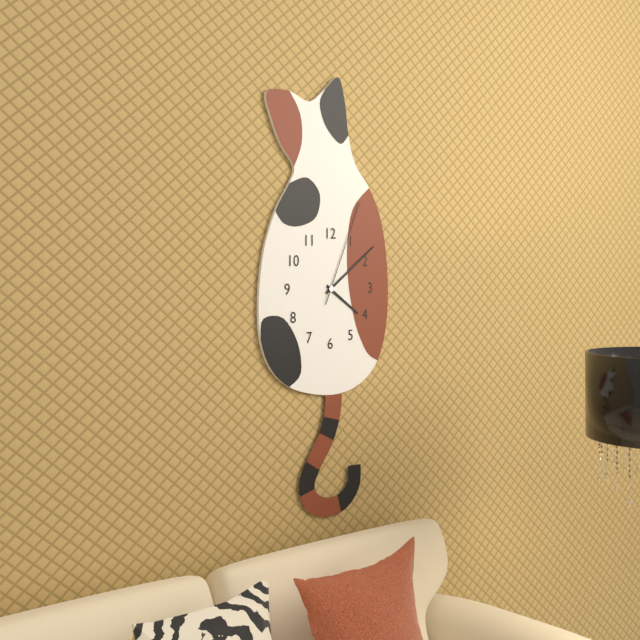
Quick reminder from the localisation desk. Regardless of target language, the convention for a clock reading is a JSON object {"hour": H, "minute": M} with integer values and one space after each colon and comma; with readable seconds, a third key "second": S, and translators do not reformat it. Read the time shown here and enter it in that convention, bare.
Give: {"hour": 4, "minute": 9, "second": 4}
